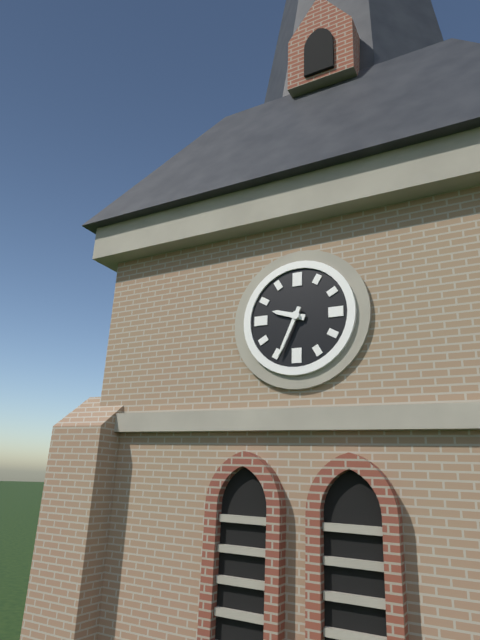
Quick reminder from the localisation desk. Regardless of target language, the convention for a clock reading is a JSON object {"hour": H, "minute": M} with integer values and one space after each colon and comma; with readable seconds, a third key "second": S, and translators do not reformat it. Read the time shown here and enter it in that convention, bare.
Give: {"hour": 9, "minute": 34}
